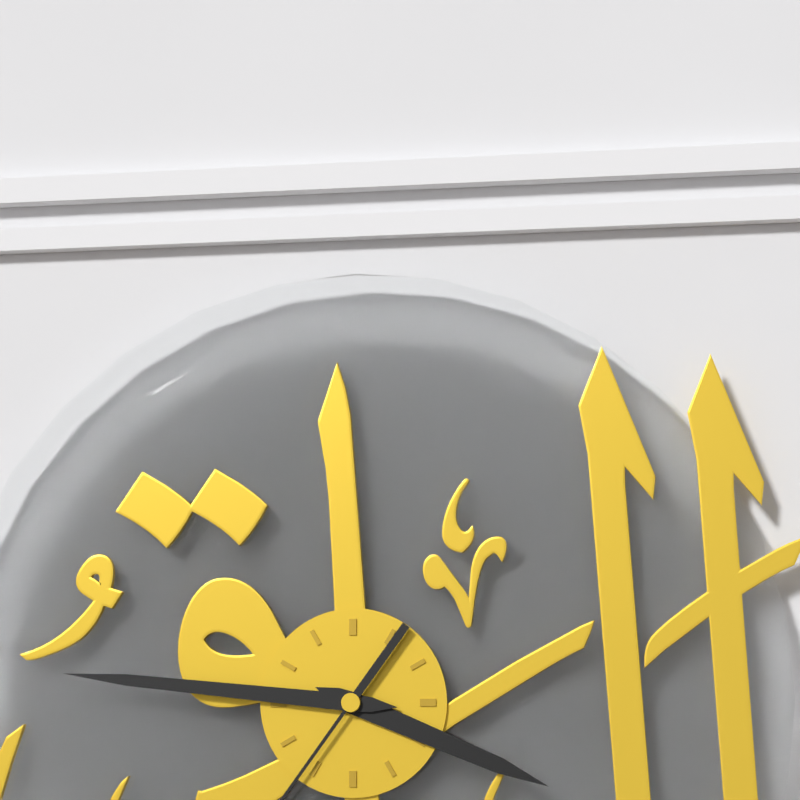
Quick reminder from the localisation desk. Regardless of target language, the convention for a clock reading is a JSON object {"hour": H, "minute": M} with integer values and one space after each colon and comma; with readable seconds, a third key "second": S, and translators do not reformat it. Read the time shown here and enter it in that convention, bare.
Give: {"hour": 3, "minute": 46}
